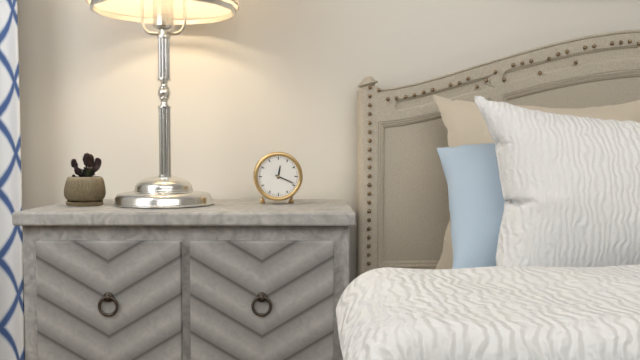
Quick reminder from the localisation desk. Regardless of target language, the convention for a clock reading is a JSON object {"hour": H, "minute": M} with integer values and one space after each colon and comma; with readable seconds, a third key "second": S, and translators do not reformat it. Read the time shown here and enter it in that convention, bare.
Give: {"hour": 12, "minute": 19}
